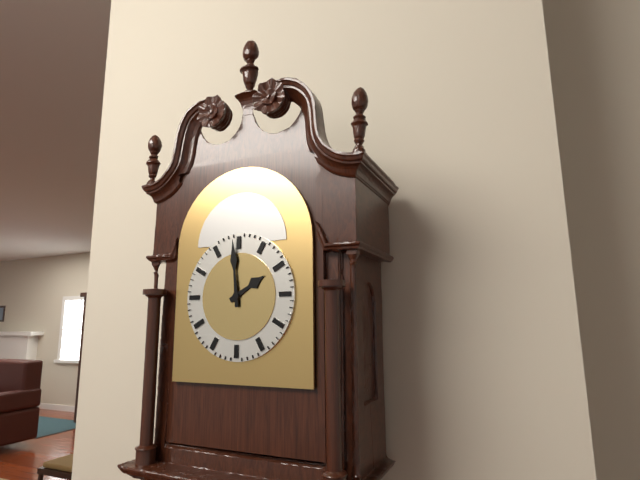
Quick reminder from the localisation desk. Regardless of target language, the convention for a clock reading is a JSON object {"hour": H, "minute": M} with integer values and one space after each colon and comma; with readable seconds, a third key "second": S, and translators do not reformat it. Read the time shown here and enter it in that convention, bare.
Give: {"hour": 1, "minute": 59}
